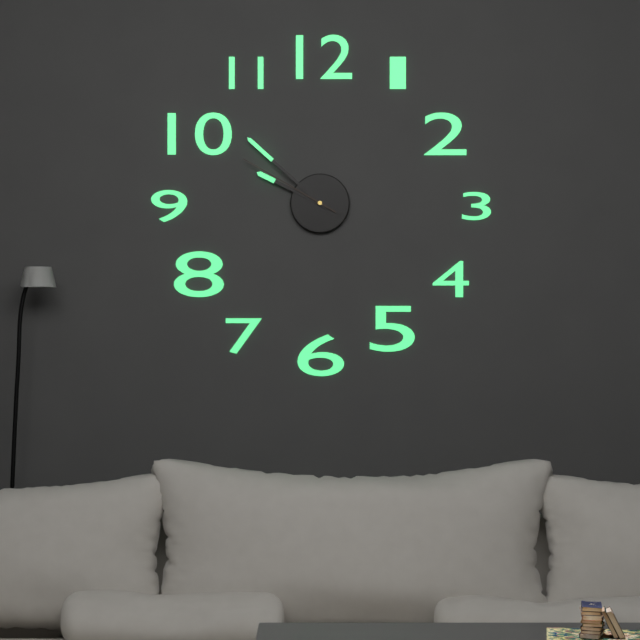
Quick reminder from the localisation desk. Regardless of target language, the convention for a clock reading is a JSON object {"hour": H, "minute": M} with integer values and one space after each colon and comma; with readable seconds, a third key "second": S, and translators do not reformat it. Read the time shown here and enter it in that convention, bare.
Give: {"hour": 9, "minute": 52, "second": 50}
